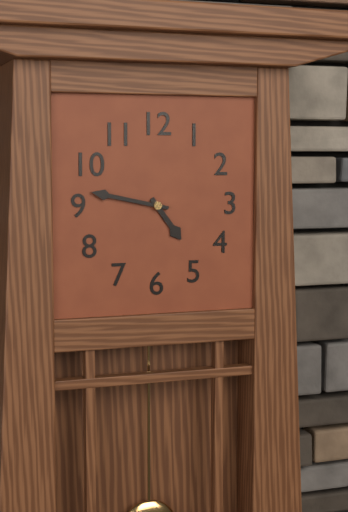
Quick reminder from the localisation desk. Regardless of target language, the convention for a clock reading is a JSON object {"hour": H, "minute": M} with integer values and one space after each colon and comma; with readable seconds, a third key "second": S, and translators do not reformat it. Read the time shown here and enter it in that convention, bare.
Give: {"hour": 4, "minute": 47}
